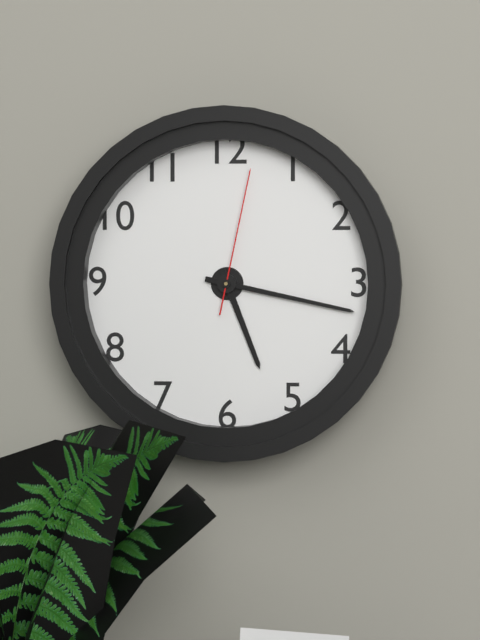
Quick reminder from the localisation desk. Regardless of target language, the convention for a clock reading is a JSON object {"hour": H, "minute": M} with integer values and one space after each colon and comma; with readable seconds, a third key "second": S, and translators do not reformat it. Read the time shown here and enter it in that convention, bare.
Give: {"hour": 5, "minute": 17, "second": 2}
